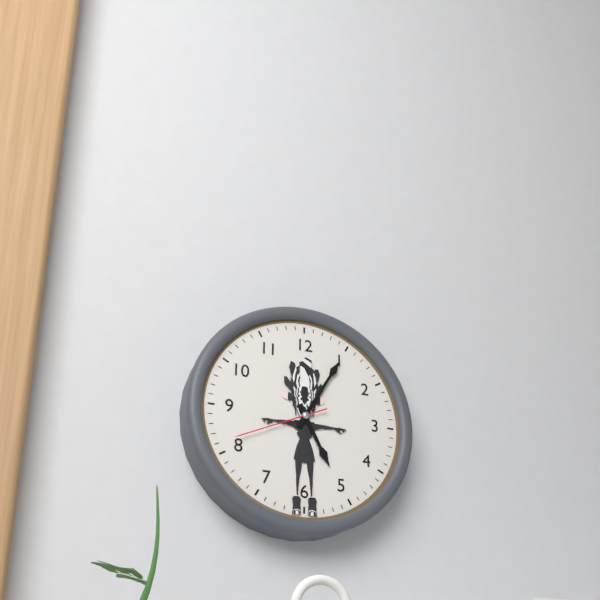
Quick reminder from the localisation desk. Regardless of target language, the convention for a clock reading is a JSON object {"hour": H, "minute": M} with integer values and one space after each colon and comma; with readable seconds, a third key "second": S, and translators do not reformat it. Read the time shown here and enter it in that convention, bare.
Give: {"hour": 5, "minute": 5, "second": 41}
